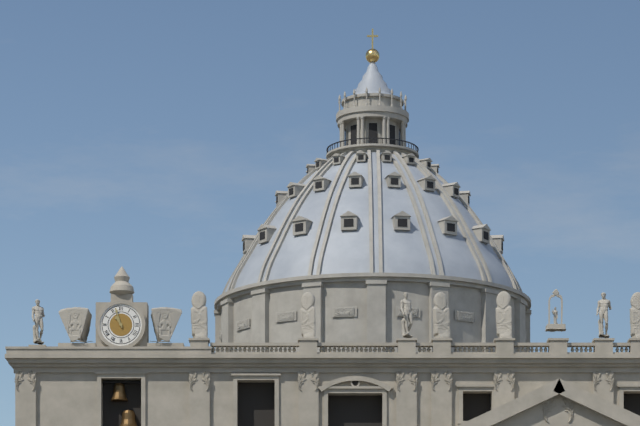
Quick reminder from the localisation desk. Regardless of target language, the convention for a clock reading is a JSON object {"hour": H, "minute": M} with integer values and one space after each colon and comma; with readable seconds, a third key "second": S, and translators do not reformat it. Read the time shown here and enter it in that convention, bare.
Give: {"hour": 10, "minute": 57}
